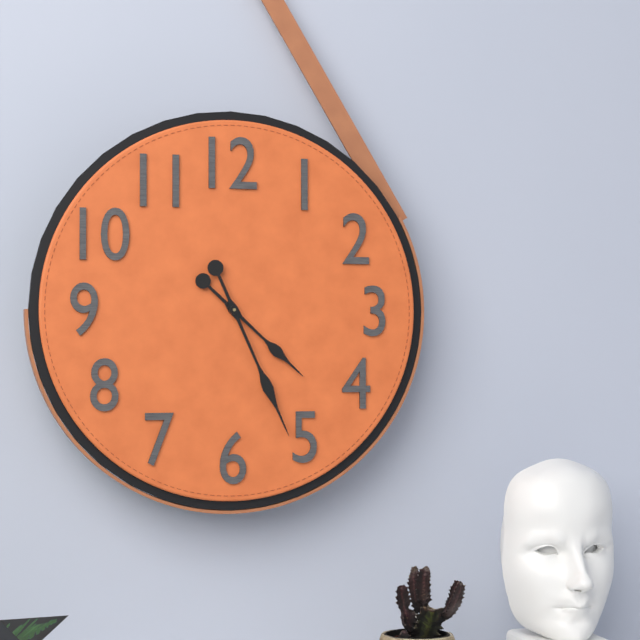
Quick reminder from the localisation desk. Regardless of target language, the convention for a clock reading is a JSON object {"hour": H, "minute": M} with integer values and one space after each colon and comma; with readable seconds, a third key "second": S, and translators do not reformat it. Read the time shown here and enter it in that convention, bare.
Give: {"hour": 4, "minute": 26}
